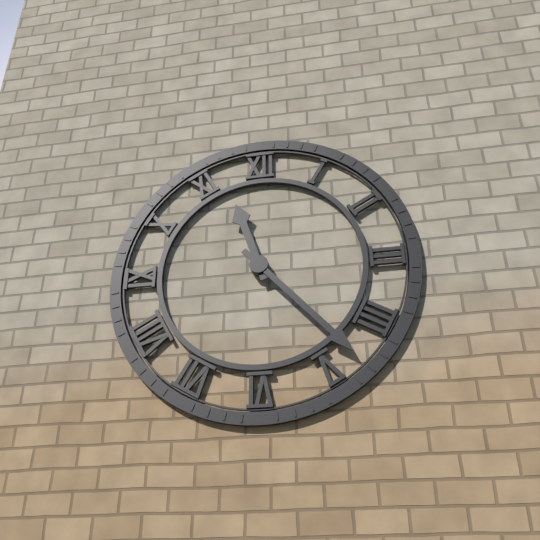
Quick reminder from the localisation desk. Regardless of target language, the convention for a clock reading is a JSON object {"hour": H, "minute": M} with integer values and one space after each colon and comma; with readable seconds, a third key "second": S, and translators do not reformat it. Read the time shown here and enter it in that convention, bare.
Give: {"hour": 11, "minute": 23}
